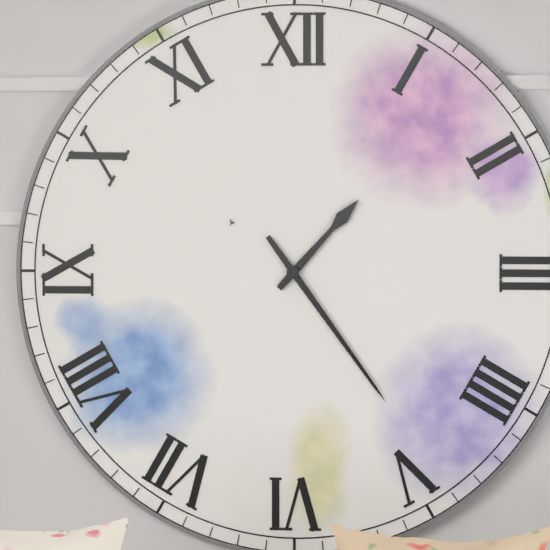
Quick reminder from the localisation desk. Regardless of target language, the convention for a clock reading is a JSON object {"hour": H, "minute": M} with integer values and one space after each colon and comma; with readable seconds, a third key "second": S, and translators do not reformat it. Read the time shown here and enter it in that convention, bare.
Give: {"hour": 1, "minute": 24}
